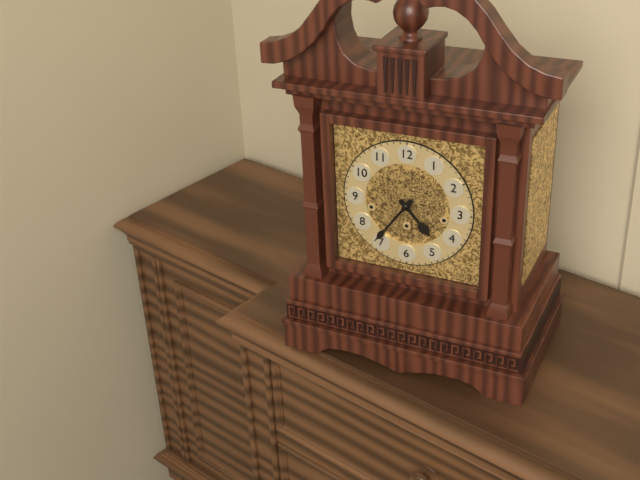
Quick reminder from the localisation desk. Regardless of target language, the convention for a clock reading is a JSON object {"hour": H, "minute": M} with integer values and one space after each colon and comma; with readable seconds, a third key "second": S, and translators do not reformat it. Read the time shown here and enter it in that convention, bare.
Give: {"hour": 4, "minute": 36}
